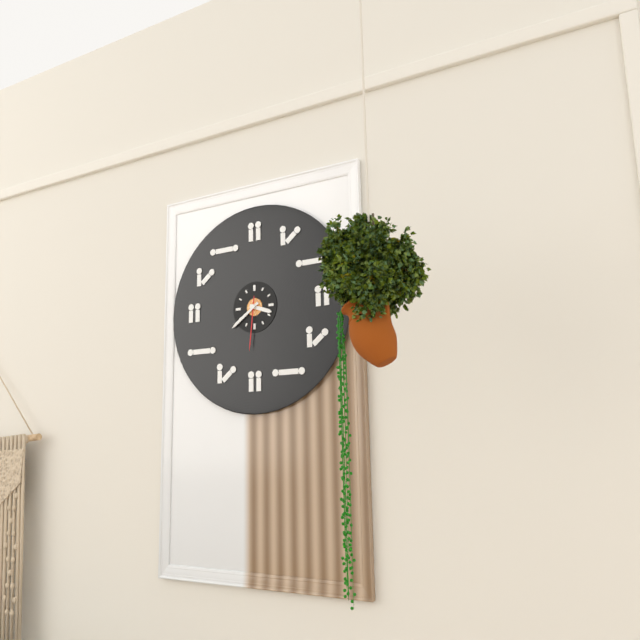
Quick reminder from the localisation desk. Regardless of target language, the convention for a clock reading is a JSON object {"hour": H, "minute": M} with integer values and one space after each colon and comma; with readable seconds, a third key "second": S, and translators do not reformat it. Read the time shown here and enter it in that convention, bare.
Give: {"hour": 3, "minute": 39, "second": 31}
